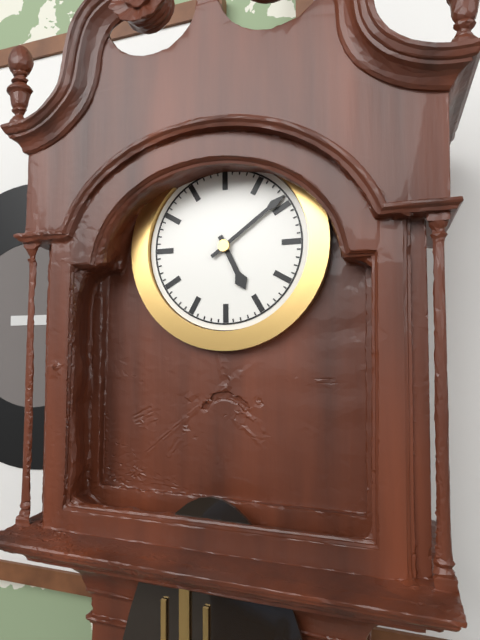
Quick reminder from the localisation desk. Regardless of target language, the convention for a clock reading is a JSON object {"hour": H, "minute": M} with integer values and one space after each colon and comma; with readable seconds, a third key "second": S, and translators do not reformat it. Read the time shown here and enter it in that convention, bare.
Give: {"hour": 5, "minute": 9}
